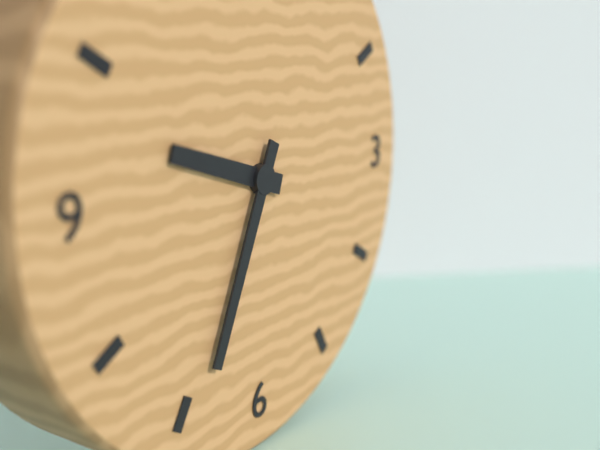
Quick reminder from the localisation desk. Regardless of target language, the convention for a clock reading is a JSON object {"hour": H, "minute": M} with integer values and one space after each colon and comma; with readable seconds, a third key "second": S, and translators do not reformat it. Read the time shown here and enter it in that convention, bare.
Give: {"hour": 9, "minute": 34}
